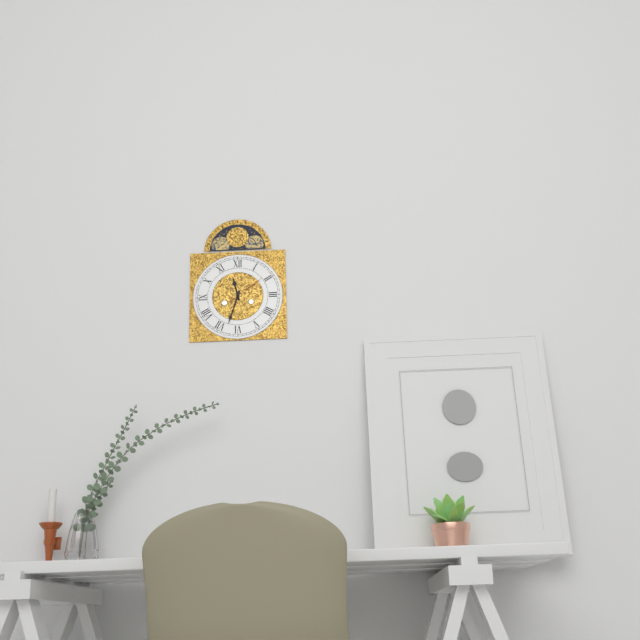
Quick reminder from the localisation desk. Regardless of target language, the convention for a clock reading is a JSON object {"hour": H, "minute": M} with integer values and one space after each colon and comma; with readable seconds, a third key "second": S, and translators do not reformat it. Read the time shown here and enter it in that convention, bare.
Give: {"hour": 11, "minute": 33}
